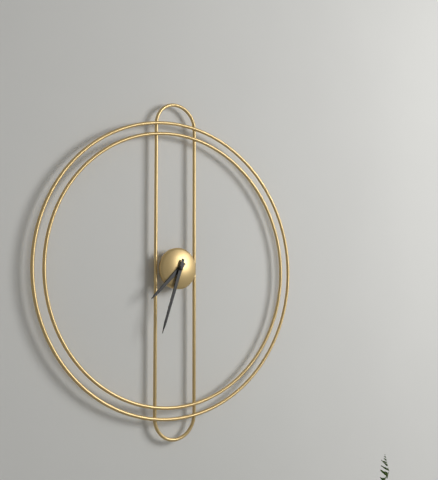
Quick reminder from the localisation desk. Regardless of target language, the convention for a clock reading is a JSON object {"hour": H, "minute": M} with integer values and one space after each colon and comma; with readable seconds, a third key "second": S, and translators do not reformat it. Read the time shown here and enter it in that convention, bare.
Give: {"hour": 7, "minute": 33}
